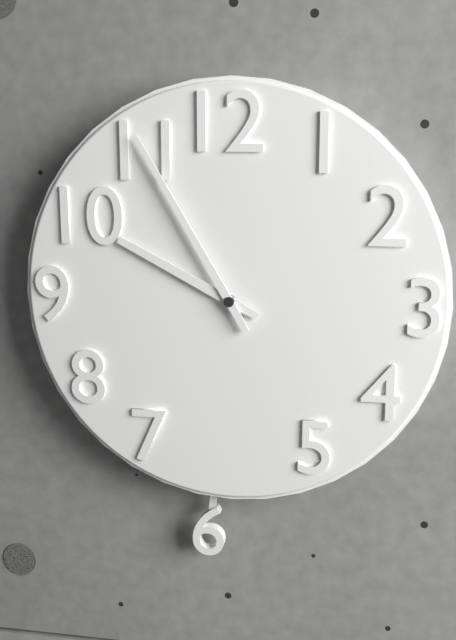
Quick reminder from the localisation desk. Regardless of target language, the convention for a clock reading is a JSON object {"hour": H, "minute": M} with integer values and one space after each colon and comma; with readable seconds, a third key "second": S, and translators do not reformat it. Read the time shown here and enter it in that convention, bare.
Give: {"hour": 9, "minute": 55}
